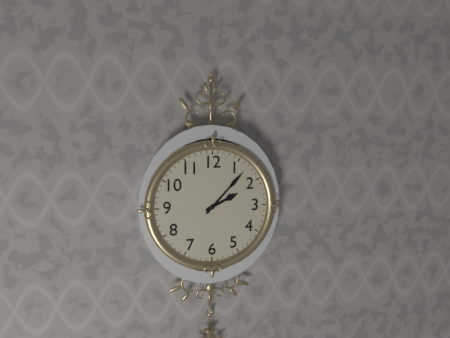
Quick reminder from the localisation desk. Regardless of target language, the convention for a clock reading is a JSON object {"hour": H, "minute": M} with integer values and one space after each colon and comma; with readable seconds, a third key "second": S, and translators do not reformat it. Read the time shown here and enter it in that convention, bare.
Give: {"hour": 2, "minute": 7}
